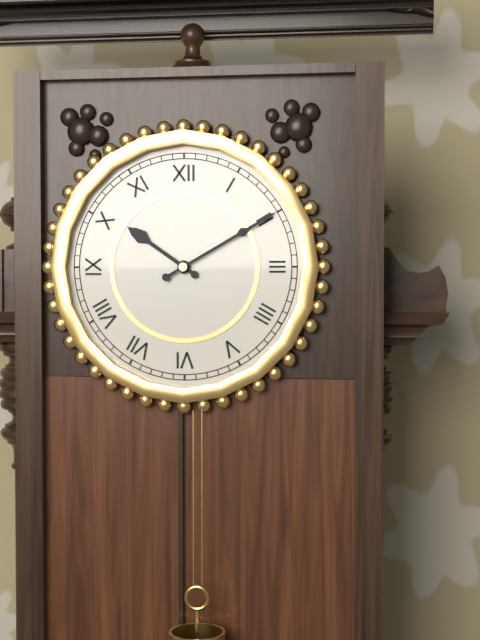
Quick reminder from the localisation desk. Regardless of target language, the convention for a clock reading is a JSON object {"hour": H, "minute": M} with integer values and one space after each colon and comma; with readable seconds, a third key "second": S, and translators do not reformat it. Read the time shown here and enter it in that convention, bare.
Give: {"hour": 10, "minute": 10}
